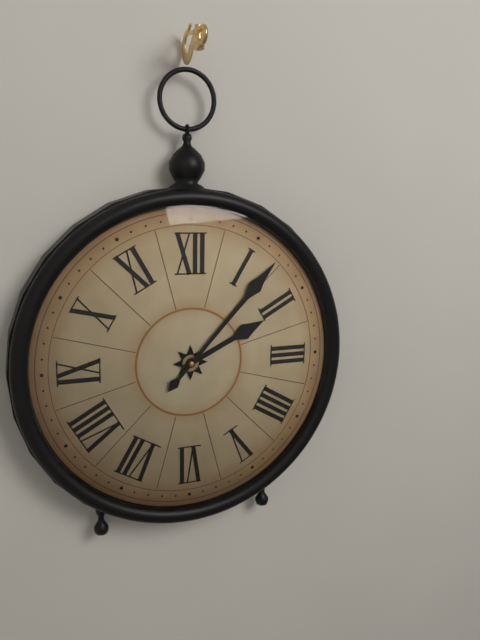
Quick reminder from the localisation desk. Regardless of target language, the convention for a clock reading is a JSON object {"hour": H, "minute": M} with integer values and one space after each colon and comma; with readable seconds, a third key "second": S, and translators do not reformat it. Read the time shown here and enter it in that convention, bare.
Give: {"hour": 2, "minute": 7}
